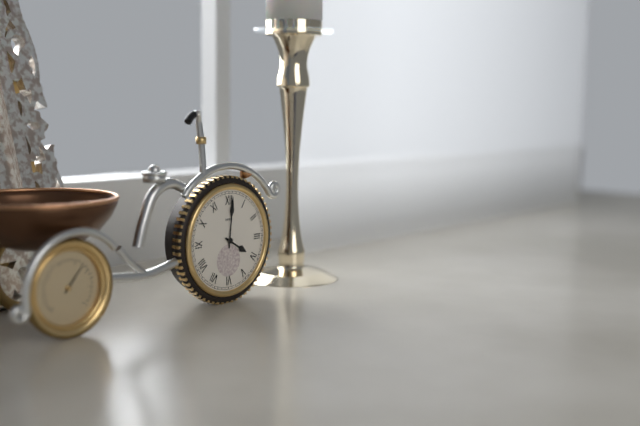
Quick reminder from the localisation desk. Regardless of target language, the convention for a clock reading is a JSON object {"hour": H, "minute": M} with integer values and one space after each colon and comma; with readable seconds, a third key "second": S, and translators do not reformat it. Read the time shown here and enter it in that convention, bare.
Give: {"hour": 4, "minute": 1}
